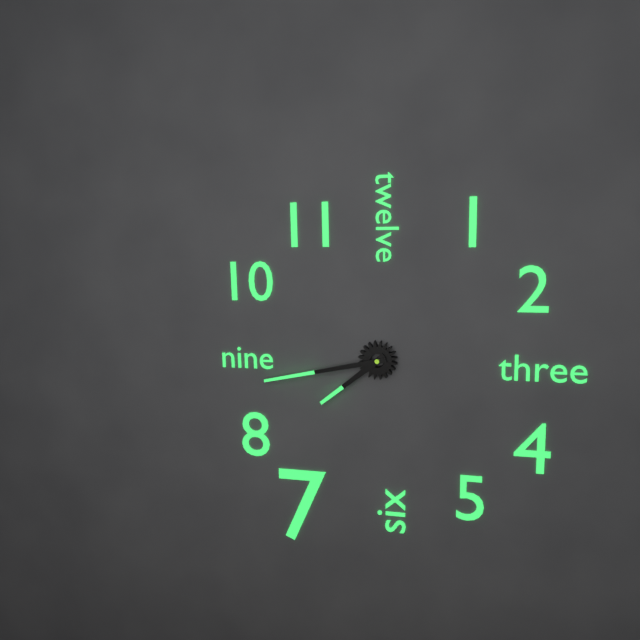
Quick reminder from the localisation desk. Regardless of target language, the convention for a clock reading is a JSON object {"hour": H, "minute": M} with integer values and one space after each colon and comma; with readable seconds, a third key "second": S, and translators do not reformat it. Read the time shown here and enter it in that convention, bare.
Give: {"hour": 7, "minute": 43}
